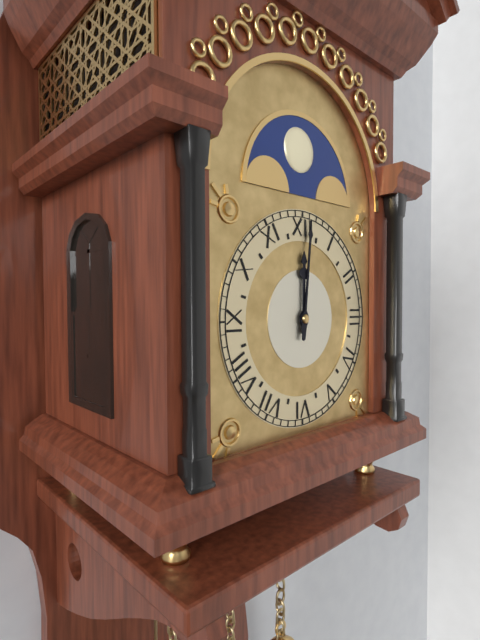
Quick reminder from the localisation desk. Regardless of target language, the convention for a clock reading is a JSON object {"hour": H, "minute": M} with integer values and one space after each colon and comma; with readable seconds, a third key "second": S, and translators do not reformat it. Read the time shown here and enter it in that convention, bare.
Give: {"hour": 12, "minute": 1}
